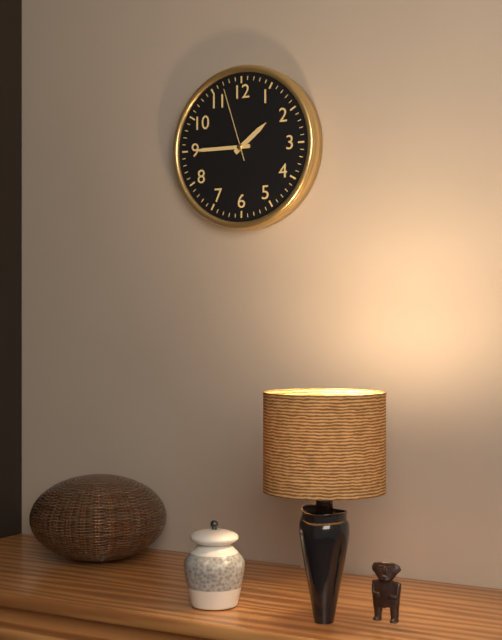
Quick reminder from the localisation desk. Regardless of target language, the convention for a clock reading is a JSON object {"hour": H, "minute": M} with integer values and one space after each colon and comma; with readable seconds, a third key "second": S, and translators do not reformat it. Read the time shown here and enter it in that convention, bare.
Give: {"hour": 1, "minute": 45, "second": 57}
